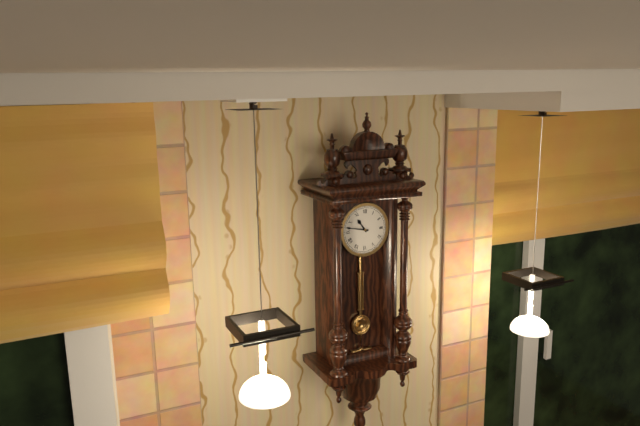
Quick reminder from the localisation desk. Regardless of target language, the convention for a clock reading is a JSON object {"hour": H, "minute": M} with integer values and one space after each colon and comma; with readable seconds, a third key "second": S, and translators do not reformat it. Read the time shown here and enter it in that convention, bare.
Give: {"hour": 10, "minute": 47}
